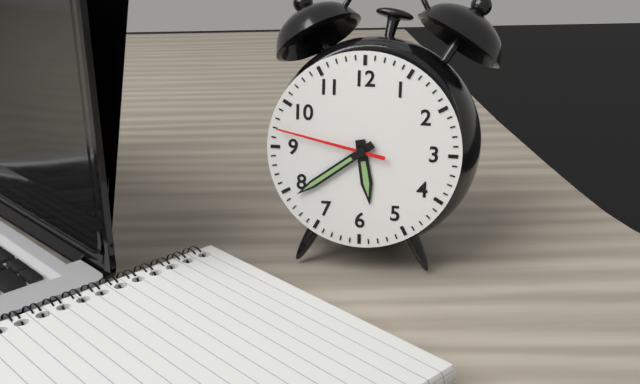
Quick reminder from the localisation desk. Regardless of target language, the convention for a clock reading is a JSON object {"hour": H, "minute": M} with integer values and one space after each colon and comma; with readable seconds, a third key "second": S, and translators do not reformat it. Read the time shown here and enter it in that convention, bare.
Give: {"hour": 5, "minute": 39, "second": 47}
